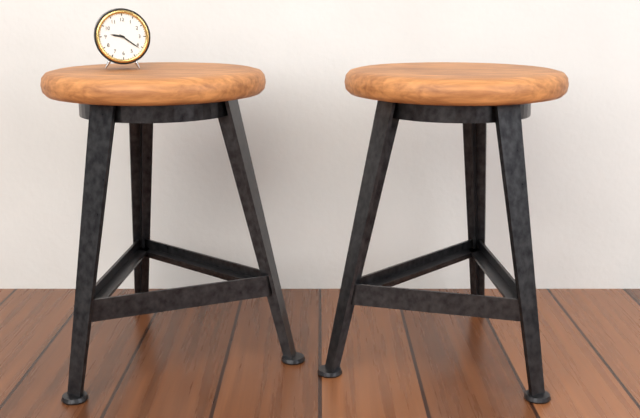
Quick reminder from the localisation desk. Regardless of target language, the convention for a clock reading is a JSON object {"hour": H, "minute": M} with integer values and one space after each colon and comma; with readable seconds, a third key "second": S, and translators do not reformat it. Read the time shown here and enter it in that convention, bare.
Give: {"hour": 9, "minute": 21}
